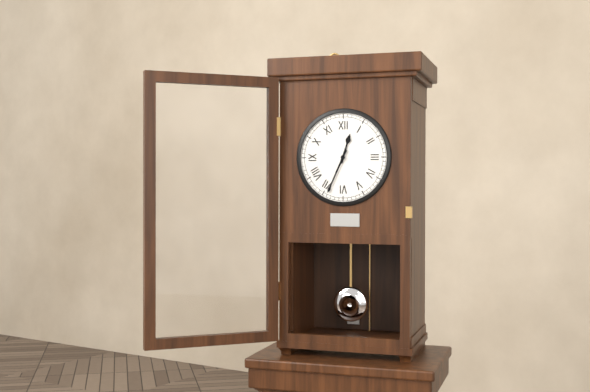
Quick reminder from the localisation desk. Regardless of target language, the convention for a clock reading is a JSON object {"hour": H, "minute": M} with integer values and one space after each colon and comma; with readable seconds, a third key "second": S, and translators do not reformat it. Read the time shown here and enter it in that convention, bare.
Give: {"hour": 12, "minute": 34}
